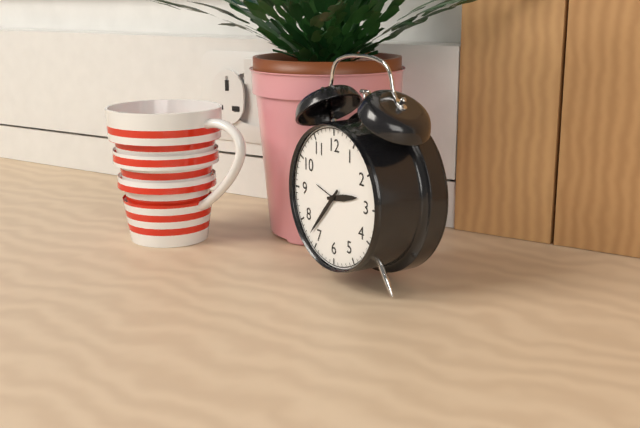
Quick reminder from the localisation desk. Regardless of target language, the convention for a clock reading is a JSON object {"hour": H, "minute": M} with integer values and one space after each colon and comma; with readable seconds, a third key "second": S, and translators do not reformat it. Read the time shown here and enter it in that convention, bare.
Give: {"hour": 2, "minute": 37}
